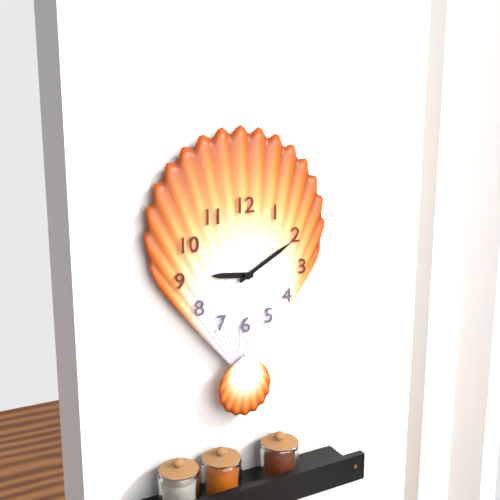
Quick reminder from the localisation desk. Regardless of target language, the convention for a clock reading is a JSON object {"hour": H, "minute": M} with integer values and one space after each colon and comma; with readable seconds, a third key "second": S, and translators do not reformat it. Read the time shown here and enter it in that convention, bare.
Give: {"hour": 9, "minute": 10}
